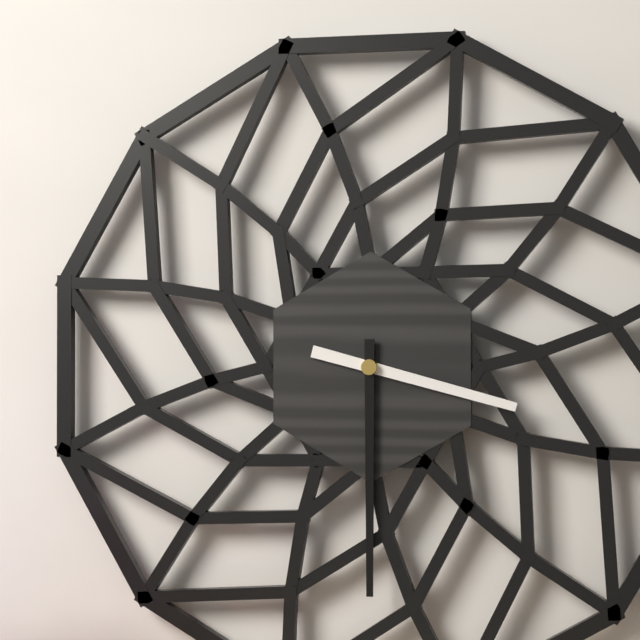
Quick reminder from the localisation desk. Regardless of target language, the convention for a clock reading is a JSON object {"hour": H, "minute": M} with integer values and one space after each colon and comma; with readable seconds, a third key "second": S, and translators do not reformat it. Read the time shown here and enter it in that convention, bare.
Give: {"hour": 3, "minute": 30}
